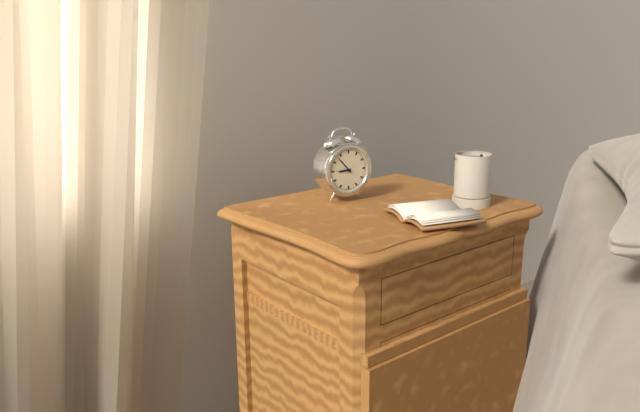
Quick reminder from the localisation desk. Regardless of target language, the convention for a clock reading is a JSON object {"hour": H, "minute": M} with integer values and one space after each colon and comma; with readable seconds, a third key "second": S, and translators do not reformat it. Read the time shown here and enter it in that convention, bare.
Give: {"hour": 8, "minute": 53}
